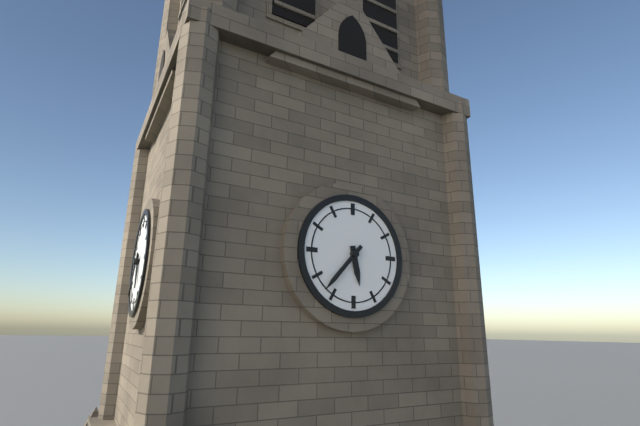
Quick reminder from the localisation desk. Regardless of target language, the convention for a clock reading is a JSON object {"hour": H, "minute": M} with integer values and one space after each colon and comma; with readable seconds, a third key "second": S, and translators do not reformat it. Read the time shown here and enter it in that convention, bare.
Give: {"hour": 5, "minute": 37}
